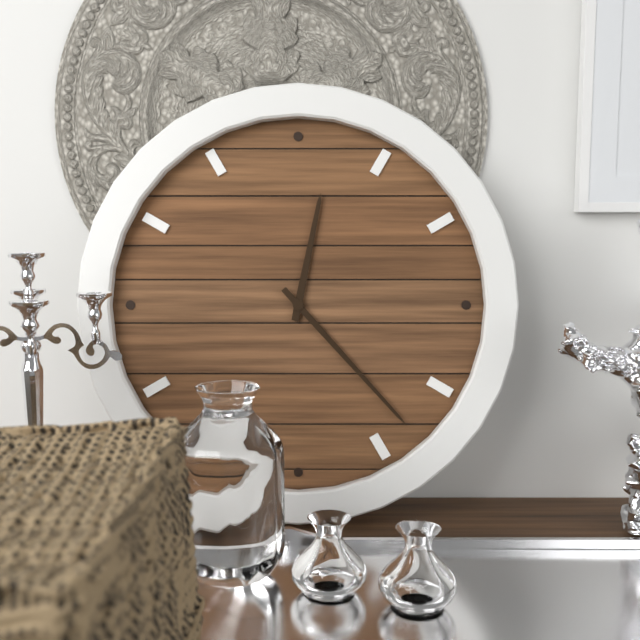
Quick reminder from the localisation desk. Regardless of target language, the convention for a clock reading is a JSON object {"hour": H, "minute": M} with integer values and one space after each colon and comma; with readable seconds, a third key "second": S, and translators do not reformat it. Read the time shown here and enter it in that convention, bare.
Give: {"hour": 12, "minute": 23}
